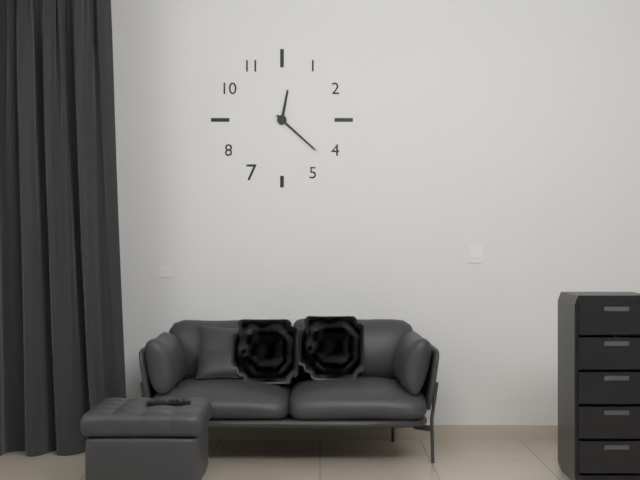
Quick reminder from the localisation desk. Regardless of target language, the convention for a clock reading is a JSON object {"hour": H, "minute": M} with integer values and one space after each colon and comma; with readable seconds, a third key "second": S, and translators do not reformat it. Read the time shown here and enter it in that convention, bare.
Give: {"hour": 12, "minute": 22}
